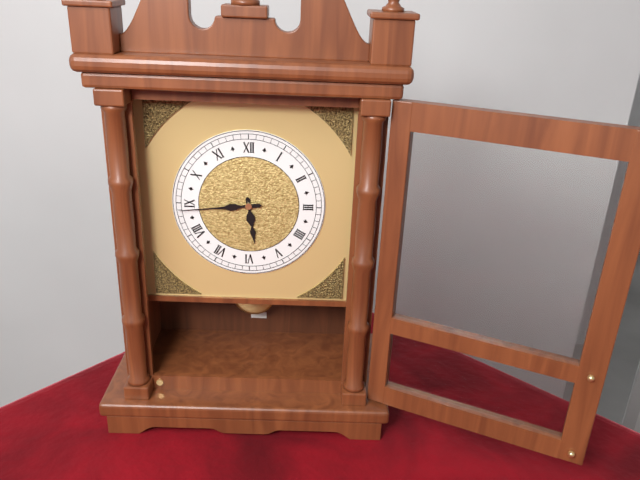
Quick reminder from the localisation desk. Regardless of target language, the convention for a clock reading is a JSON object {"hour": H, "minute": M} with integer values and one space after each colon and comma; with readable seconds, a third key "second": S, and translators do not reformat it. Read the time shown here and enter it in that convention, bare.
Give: {"hour": 5, "minute": 44}
